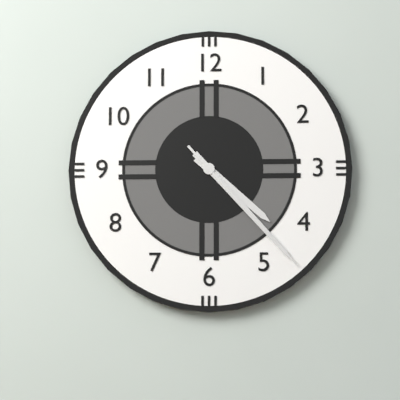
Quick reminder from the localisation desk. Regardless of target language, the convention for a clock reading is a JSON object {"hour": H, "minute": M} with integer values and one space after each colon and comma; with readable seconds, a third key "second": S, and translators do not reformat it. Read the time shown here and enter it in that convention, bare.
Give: {"hour": 4, "minute": 23, "second": 23}
